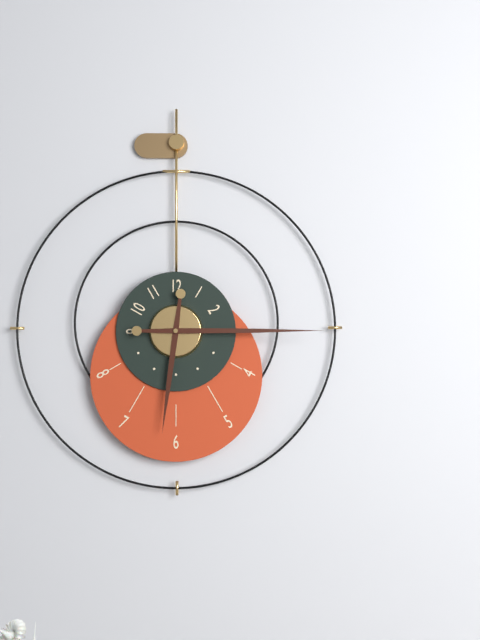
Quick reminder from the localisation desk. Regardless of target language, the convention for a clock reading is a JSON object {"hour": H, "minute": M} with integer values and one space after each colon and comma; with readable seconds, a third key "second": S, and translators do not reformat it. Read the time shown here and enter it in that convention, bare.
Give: {"hour": 6, "minute": 15}
